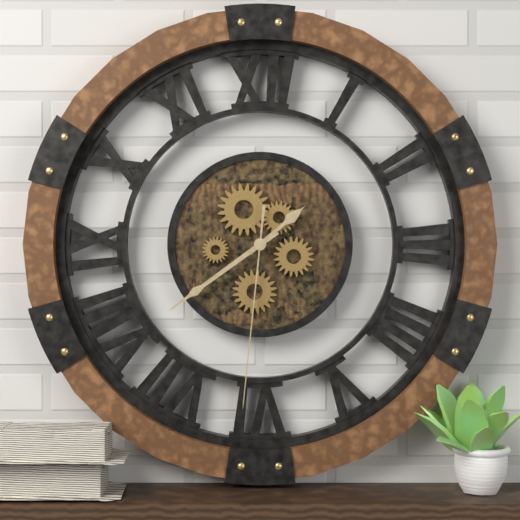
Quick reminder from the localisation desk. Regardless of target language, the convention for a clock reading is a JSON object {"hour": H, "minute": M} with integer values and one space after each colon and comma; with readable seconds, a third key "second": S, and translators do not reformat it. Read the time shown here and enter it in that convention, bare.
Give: {"hour": 1, "minute": 39, "second": 31}
